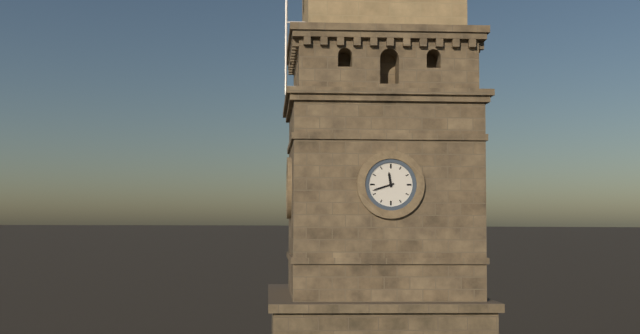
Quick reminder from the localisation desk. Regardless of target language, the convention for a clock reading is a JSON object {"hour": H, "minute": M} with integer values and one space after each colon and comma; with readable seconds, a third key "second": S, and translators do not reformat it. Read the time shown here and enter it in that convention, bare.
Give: {"hour": 11, "minute": 42}
